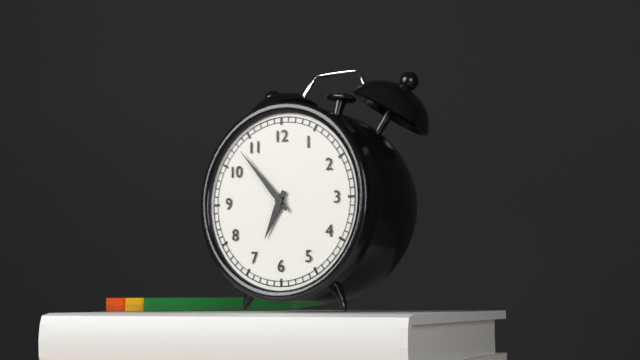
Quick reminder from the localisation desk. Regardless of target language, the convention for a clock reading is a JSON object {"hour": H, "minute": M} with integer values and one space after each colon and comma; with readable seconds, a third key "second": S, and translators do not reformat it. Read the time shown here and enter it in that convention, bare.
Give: {"hour": 6, "minute": 53}
